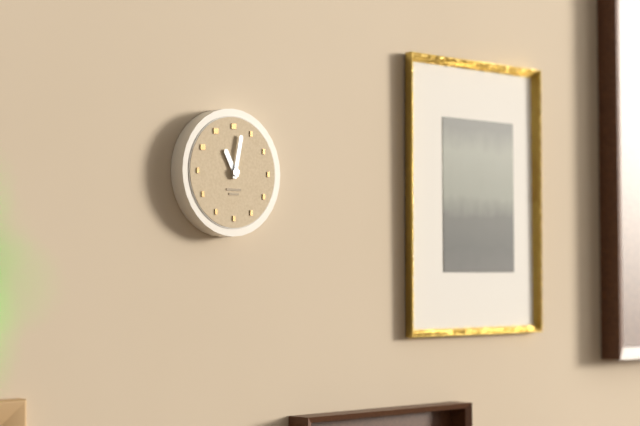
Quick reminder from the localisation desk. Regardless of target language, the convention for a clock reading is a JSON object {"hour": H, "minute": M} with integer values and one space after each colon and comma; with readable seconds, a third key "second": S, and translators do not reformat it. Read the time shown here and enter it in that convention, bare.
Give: {"hour": 11, "minute": 2}
